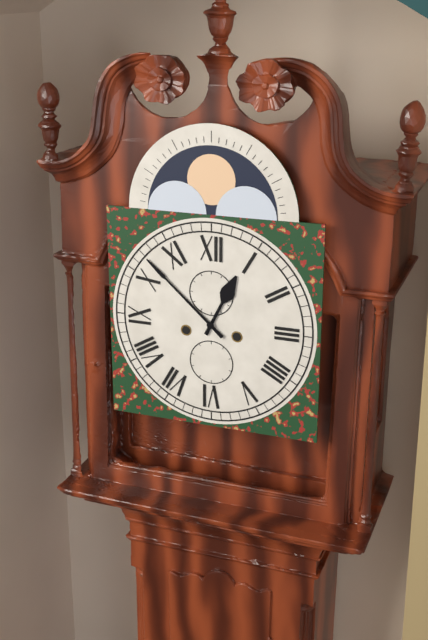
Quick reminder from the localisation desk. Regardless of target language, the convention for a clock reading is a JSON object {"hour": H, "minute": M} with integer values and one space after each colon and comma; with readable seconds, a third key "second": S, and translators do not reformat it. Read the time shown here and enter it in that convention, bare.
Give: {"hour": 12, "minute": 52}
